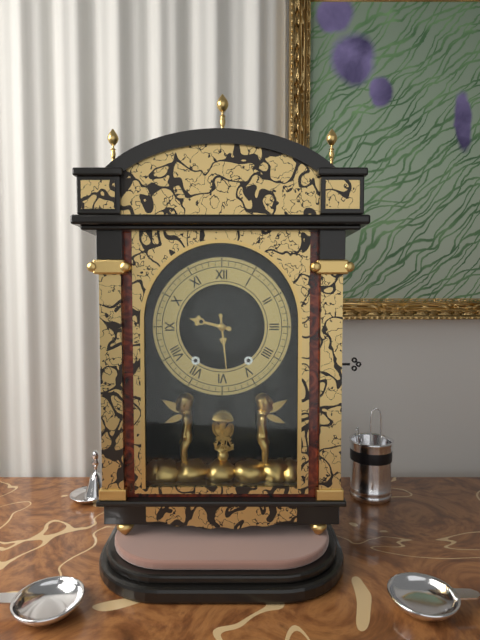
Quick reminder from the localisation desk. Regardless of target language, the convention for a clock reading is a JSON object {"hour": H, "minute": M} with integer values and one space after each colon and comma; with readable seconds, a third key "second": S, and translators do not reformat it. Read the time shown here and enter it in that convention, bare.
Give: {"hour": 9, "minute": 29}
